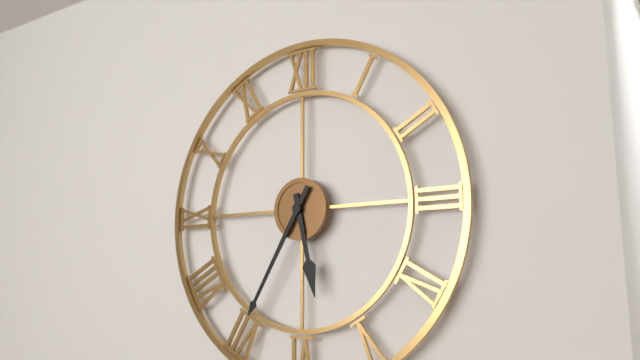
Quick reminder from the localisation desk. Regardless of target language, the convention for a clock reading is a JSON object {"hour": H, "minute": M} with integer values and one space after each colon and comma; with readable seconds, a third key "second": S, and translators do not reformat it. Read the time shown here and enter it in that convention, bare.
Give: {"hour": 5, "minute": 35}
